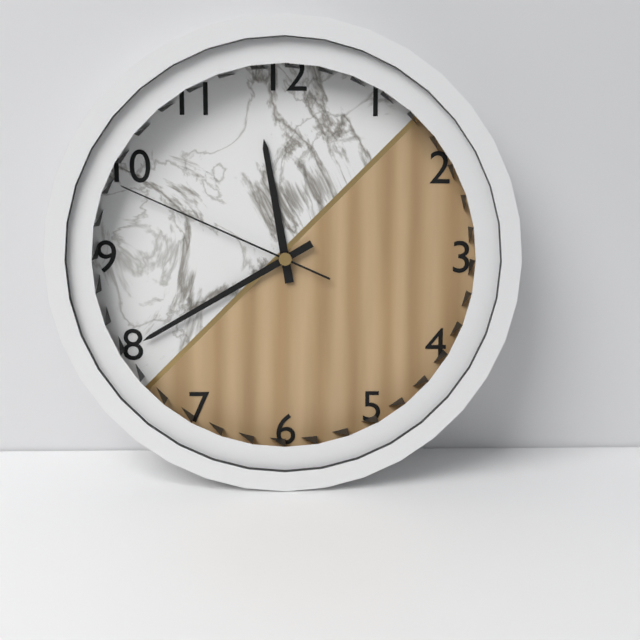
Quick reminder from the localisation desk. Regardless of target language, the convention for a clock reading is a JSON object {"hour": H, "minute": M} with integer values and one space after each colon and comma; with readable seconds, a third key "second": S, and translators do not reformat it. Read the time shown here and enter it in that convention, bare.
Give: {"hour": 11, "minute": 40, "second": 49}
